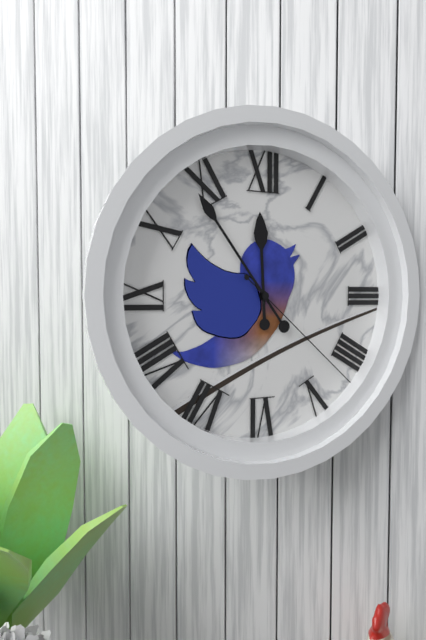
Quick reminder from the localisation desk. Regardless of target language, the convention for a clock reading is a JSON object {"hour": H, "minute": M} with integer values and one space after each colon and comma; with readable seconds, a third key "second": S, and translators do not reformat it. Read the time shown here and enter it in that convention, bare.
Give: {"hour": 11, "minute": 54, "second": 22}
